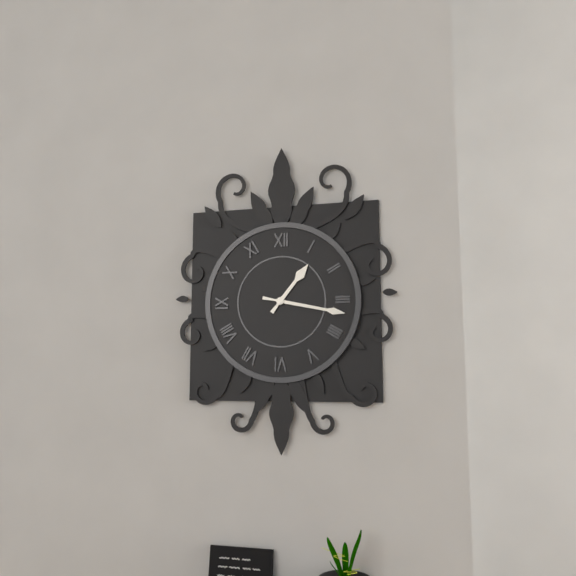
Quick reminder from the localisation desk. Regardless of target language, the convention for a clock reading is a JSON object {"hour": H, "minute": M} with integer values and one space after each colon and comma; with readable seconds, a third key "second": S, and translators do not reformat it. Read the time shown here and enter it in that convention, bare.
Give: {"hour": 1, "minute": 17}
